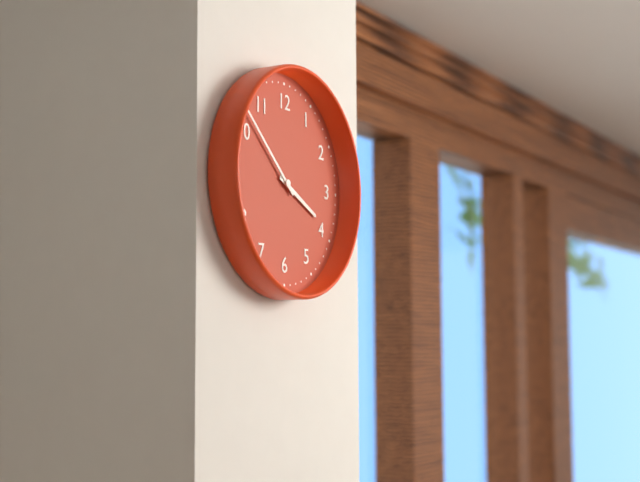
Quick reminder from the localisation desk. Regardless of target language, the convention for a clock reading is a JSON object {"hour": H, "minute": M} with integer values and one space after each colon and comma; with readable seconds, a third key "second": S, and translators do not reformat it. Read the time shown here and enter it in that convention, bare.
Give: {"hour": 3, "minute": 52}
